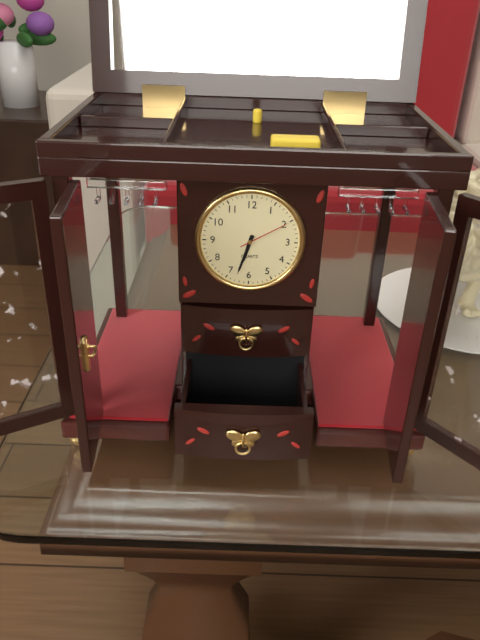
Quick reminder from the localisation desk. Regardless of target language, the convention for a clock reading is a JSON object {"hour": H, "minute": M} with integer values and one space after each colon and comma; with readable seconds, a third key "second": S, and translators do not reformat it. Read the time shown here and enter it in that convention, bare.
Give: {"hour": 6, "minute": 33, "second": 10}
